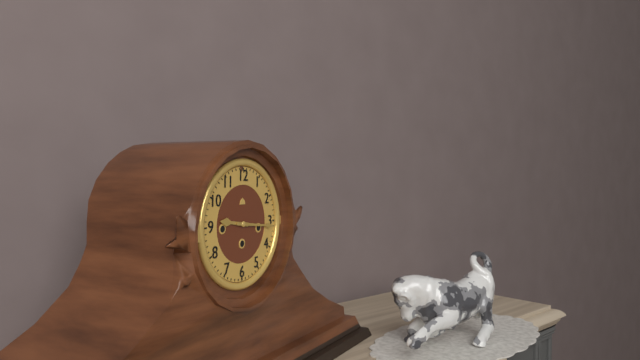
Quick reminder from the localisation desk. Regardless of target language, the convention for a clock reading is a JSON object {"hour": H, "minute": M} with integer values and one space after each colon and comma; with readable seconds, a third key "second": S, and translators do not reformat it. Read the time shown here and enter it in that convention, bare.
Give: {"hour": 9, "minute": 16}
